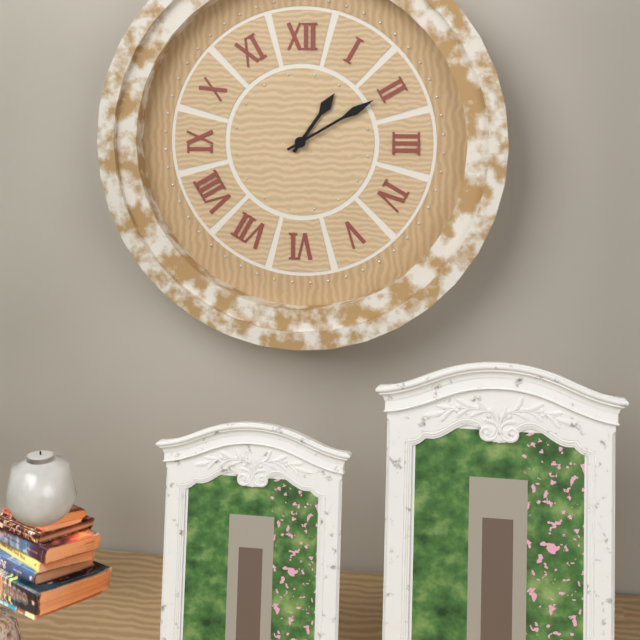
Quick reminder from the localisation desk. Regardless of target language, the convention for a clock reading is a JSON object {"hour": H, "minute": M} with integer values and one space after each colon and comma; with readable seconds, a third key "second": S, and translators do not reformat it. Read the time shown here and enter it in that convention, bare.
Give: {"hour": 1, "minute": 10}
